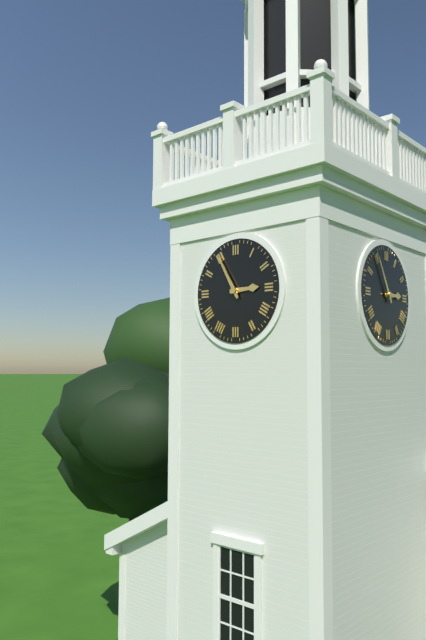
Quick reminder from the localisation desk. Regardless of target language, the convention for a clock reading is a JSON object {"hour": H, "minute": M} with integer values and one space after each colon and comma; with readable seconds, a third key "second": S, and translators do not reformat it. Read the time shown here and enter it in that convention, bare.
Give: {"hour": 2, "minute": 55}
